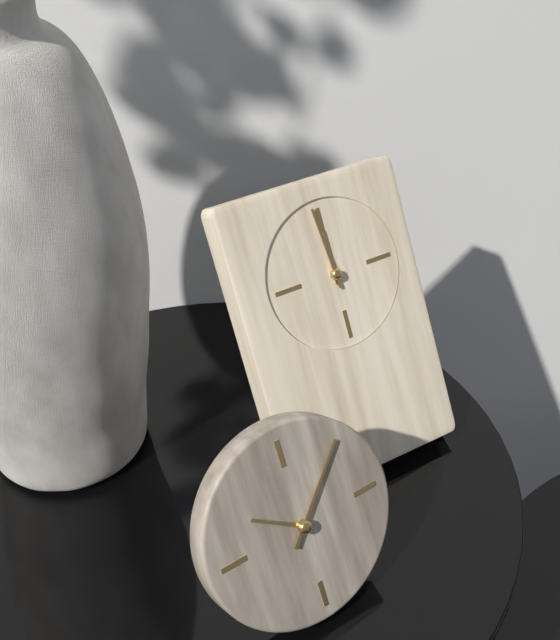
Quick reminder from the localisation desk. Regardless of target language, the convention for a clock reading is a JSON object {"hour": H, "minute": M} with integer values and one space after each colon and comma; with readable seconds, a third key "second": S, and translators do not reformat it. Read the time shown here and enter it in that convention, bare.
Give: {"hour": 11, "minute": 59}
